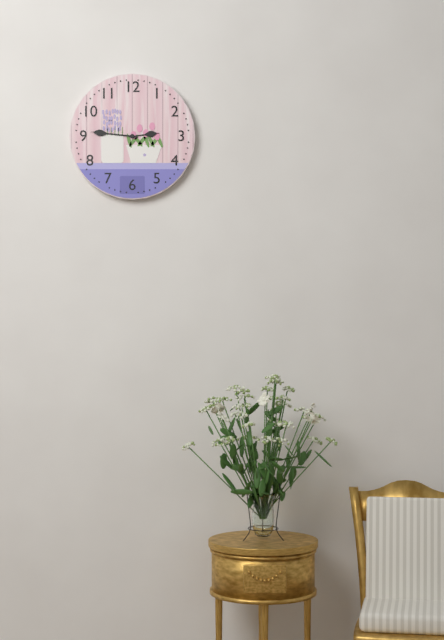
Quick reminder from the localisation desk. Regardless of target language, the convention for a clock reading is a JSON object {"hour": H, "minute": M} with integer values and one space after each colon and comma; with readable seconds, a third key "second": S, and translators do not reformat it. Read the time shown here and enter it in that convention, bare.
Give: {"hour": 2, "minute": 46}
